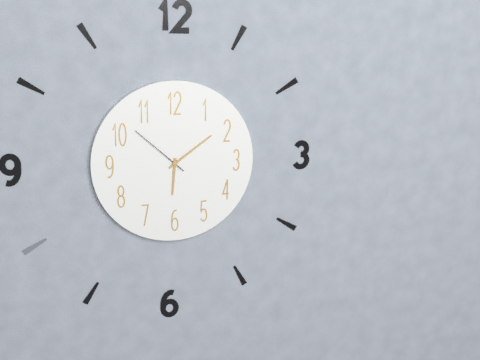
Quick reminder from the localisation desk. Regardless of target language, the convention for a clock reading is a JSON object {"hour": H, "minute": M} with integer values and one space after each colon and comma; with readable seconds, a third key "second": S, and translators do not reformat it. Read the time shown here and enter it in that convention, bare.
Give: {"hour": 6, "minute": 9, "second": 52}
